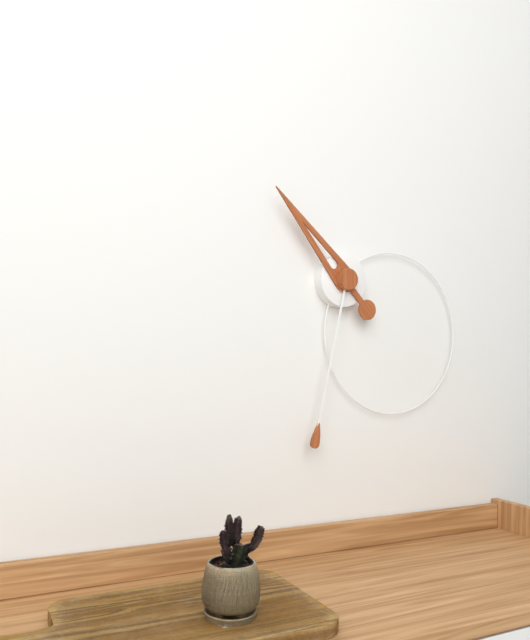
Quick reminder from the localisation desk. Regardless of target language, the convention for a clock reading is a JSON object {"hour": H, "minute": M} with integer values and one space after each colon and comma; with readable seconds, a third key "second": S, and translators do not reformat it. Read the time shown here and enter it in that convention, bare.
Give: {"hour": 10, "minute": 32}
